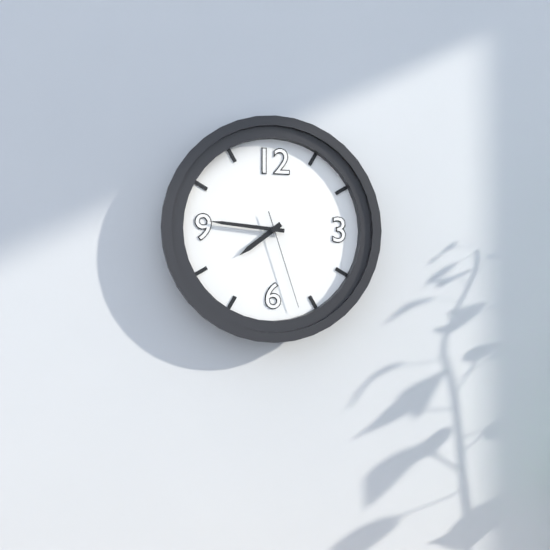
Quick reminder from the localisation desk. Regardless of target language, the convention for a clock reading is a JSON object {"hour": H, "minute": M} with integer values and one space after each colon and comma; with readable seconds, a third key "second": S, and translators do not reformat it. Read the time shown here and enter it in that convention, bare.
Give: {"hour": 7, "minute": 46, "second": 27}
